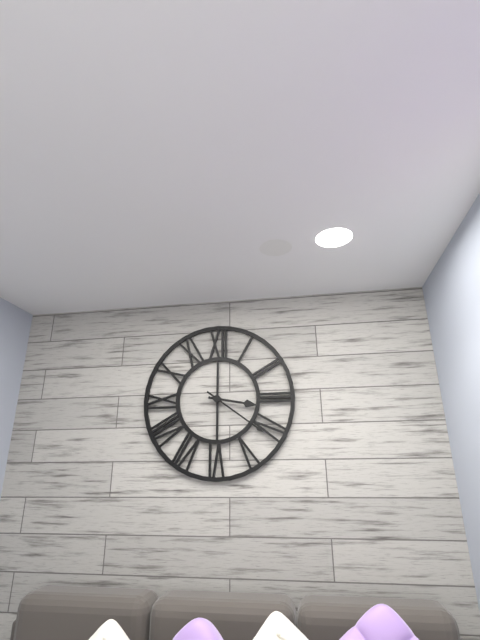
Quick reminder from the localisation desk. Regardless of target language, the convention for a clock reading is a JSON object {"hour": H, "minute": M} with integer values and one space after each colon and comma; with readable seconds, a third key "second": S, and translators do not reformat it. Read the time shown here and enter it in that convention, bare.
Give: {"hour": 3, "minute": 21}
